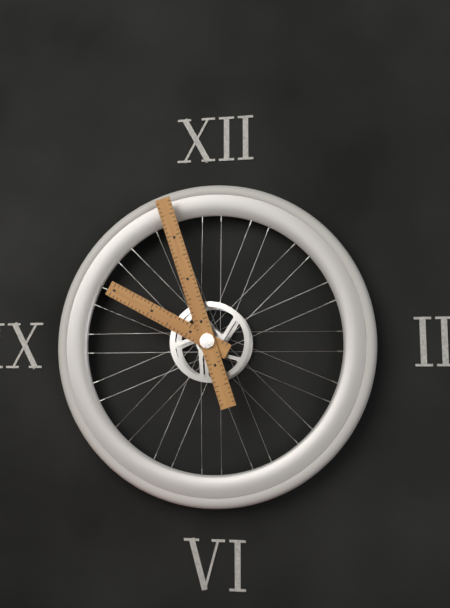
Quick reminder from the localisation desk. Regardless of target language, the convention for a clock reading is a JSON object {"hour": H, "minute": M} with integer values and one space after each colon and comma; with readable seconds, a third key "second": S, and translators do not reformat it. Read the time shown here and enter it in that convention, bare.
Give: {"hour": 9, "minute": 57}
